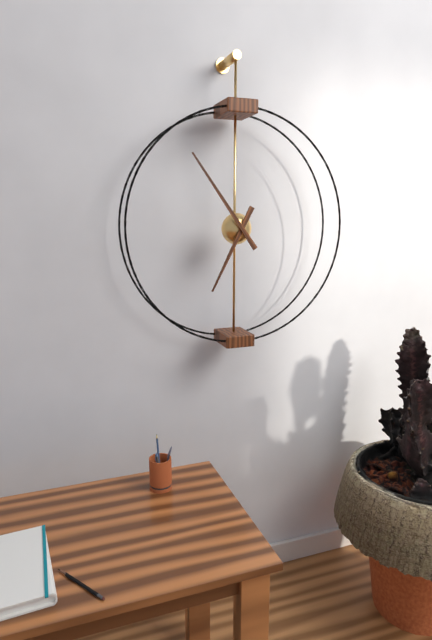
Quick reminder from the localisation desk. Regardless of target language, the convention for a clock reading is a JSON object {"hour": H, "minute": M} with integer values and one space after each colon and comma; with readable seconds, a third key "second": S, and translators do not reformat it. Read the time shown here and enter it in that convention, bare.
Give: {"hour": 6, "minute": 54}
